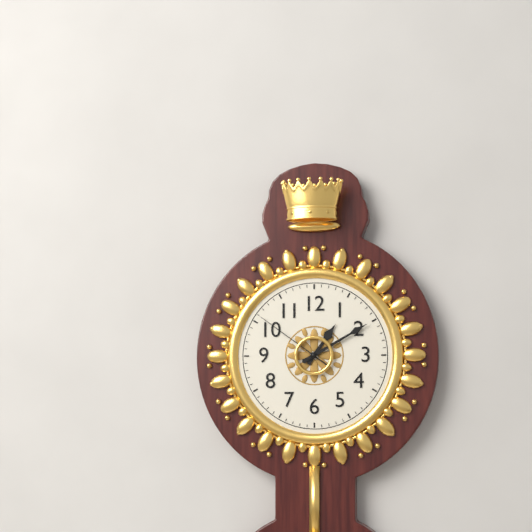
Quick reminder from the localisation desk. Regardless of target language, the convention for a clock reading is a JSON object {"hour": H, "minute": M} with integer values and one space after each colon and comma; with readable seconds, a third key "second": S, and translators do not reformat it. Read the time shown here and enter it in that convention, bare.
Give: {"hour": 1, "minute": 10, "second": 51}
